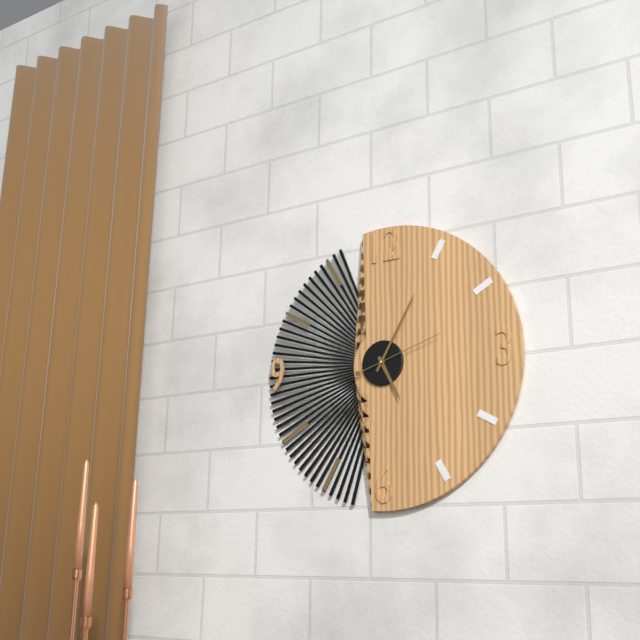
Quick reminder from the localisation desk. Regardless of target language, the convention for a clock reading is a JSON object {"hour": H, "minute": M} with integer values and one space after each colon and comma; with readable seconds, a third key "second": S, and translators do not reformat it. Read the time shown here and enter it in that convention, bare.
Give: {"hour": 5, "minute": 5, "second": 12}
